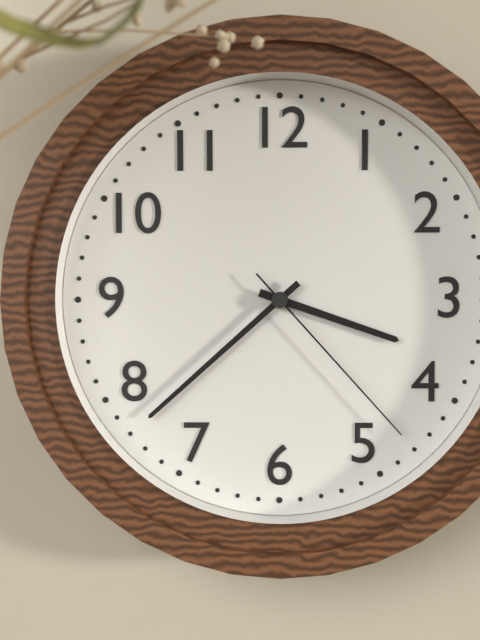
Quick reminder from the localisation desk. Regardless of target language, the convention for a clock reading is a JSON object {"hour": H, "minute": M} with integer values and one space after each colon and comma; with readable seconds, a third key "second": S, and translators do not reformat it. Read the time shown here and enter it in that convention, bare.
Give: {"hour": 3, "minute": 38, "second": 23}
